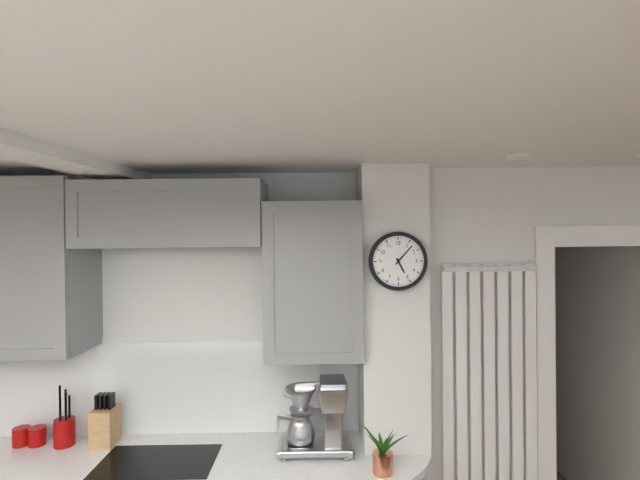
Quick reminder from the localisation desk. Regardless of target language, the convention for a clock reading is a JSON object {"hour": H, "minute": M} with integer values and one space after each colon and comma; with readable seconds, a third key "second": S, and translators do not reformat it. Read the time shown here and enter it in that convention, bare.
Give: {"hour": 5, "minute": 7}
